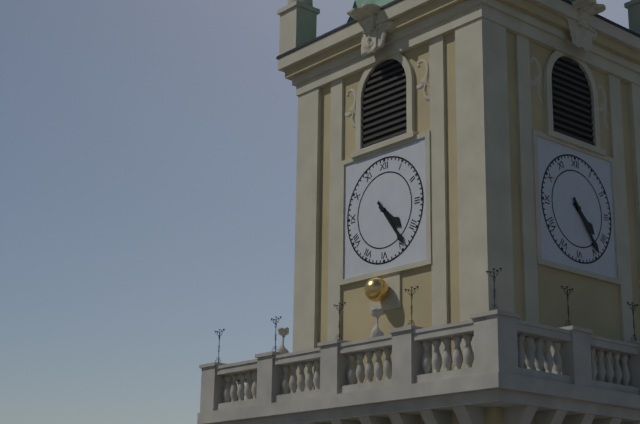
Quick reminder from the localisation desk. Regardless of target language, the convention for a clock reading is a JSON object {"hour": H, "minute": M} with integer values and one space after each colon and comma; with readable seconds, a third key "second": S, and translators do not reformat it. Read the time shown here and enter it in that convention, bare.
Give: {"hour": 4, "minute": 24}
